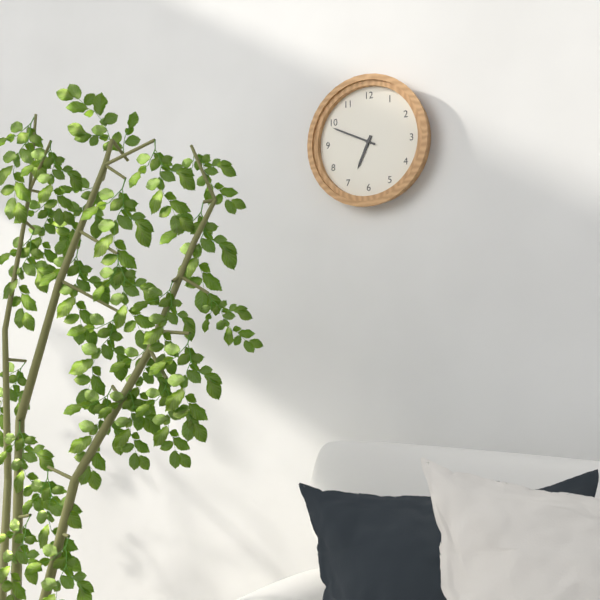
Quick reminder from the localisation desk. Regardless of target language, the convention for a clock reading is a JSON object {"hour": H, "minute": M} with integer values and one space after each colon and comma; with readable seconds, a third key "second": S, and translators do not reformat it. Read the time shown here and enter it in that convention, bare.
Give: {"hour": 6, "minute": 49}
